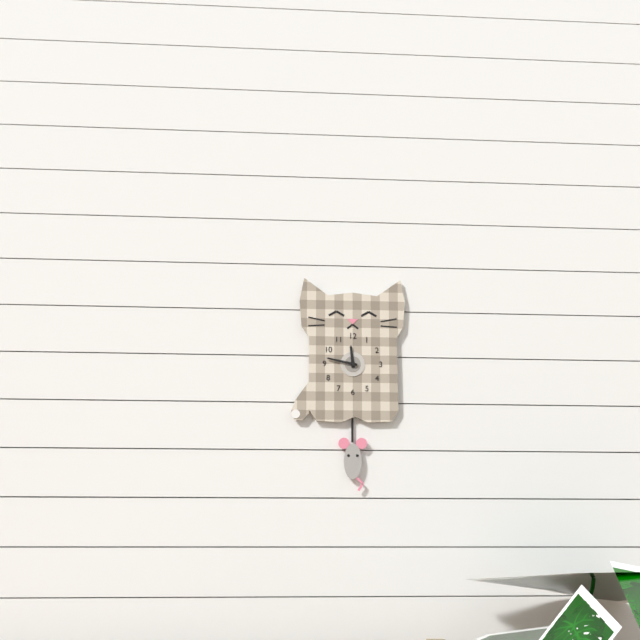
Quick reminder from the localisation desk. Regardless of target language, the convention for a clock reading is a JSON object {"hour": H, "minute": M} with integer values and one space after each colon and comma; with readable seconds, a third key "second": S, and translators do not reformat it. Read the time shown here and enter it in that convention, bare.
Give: {"hour": 11, "minute": 47}
